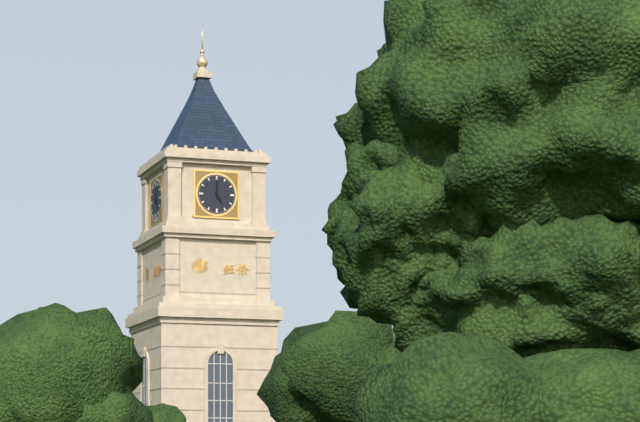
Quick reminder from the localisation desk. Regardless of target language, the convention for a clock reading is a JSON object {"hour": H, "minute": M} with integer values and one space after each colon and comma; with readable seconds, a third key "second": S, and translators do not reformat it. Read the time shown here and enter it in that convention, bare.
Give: {"hour": 5, "minute": 0}
